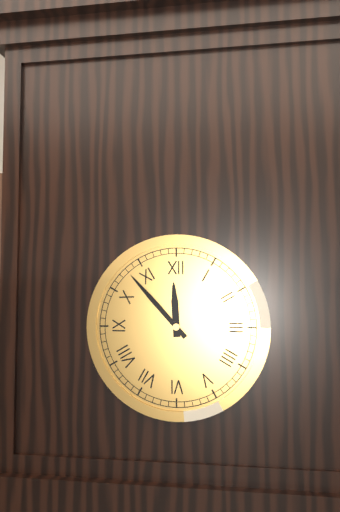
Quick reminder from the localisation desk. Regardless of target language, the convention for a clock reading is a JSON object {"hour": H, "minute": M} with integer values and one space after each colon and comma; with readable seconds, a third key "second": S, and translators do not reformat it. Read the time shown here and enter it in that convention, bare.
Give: {"hour": 11, "minute": 53}
